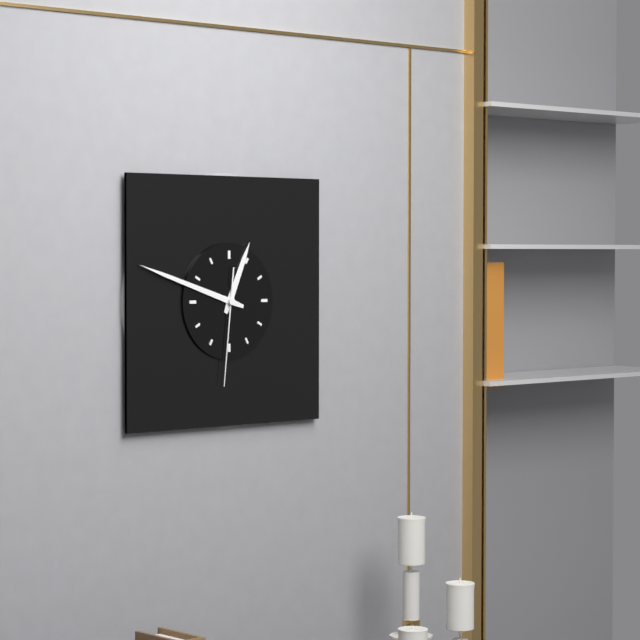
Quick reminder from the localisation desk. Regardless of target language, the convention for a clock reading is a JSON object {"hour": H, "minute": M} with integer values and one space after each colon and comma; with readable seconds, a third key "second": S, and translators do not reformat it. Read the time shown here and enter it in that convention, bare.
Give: {"hour": 12, "minute": 48, "second": 31}
